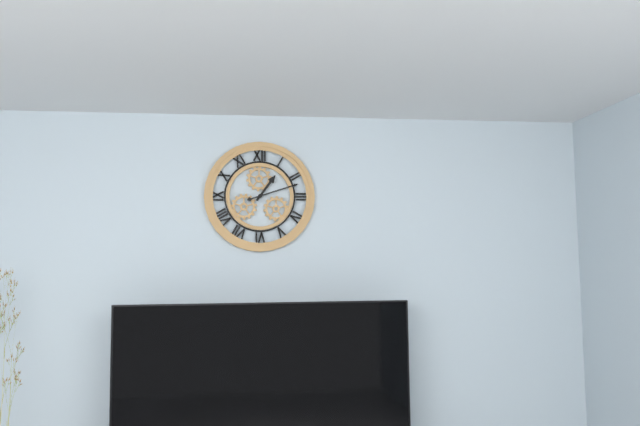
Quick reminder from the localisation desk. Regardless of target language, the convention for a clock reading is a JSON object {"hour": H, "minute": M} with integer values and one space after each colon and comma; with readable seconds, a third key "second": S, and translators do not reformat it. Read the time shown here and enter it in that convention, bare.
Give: {"hour": 1, "minute": 12}
